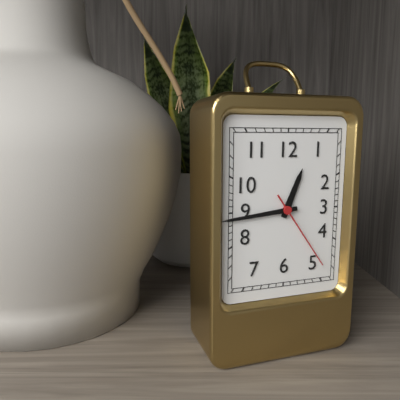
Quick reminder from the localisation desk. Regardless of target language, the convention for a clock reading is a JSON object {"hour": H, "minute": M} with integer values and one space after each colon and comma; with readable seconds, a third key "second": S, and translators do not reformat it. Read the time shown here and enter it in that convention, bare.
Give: {"hour": 12, "minute": 44, "second": 24}
